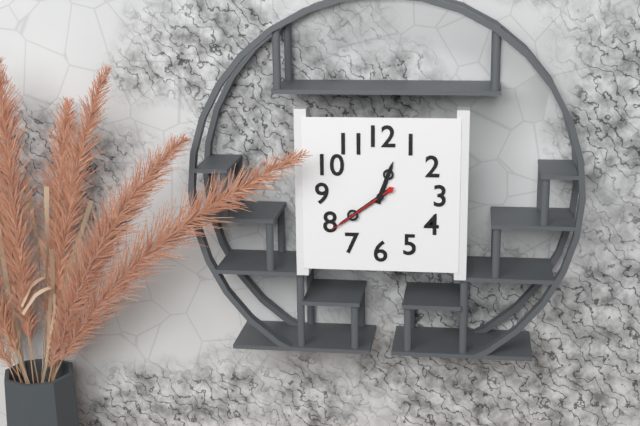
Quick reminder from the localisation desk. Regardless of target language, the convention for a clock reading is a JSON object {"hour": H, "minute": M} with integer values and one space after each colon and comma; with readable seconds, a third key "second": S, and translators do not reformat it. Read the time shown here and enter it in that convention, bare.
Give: {"hour": 12, "minute": 39, "second": 39}
